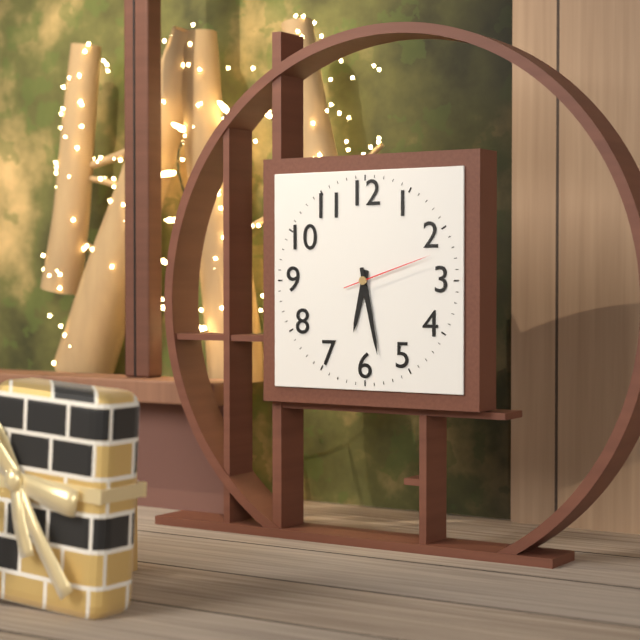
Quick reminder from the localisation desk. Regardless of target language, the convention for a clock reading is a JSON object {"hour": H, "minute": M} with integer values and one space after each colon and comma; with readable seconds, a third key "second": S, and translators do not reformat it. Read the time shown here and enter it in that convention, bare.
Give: {"hour": 6, "minute": 28, "second": 12}
